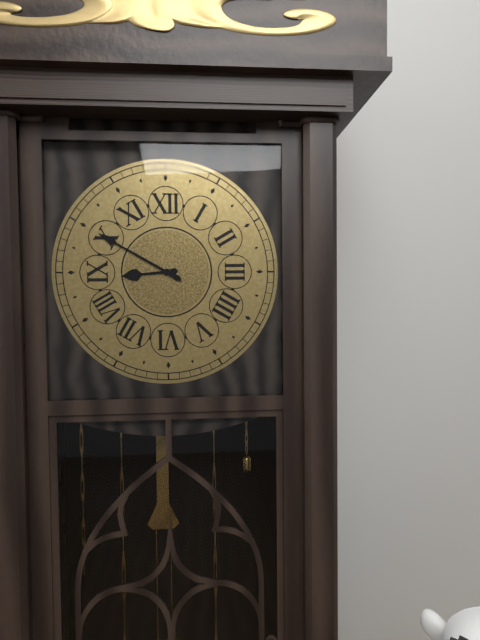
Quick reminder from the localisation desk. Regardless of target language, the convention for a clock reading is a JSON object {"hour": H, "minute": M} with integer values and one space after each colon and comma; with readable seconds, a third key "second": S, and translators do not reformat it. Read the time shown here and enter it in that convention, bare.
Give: {"hour": 8, "minute": 50}
